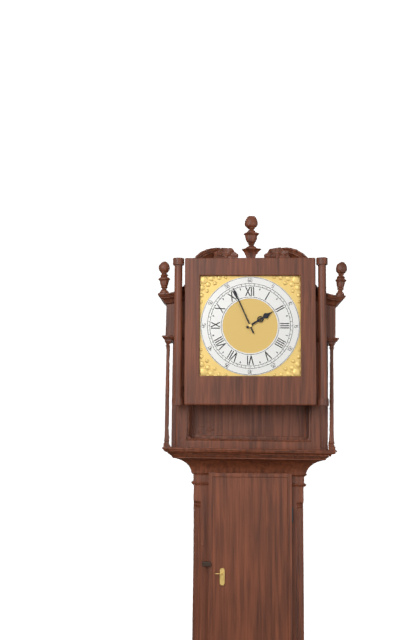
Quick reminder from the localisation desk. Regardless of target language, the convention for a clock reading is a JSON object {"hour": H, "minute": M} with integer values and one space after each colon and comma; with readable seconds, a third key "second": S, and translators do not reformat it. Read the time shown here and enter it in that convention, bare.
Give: {"hour": 1, "minute": 56}
